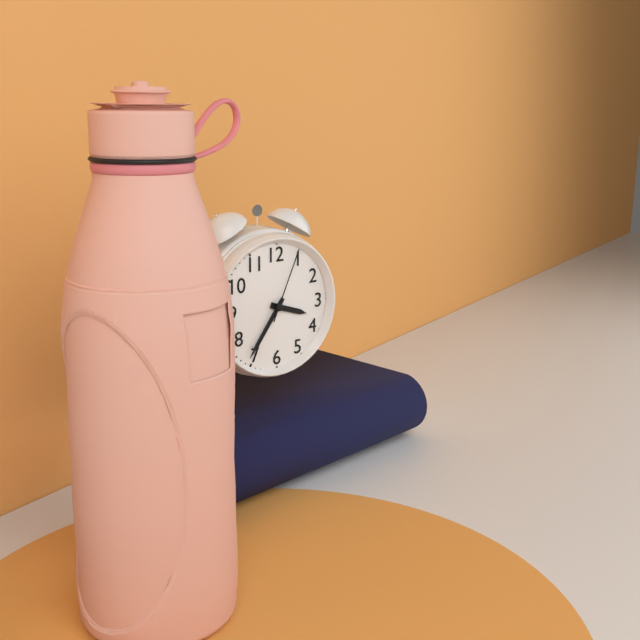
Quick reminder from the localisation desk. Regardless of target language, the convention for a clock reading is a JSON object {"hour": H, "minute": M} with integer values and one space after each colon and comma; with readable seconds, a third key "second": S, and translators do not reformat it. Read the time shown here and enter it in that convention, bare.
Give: {"hour": 3, "minute": 36, "second": 4}
